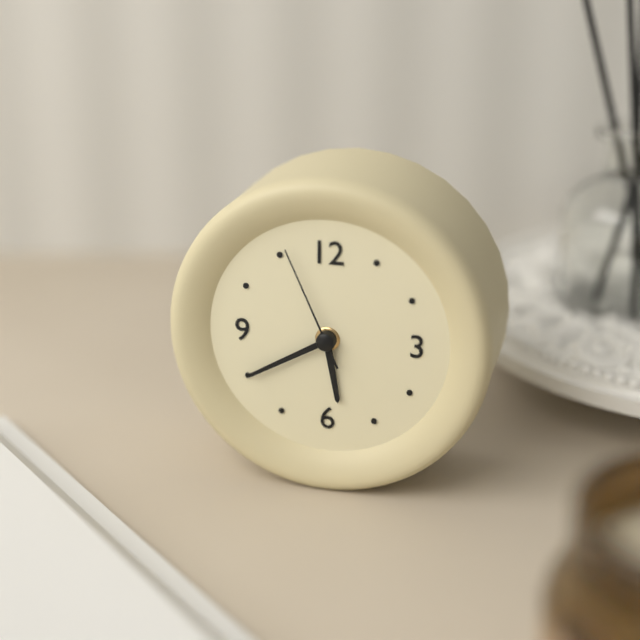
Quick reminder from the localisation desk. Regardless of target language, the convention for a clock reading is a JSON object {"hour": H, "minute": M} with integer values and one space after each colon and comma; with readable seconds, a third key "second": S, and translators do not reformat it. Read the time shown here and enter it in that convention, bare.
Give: {"hour": 5, "minute": 40, "second": 56}
